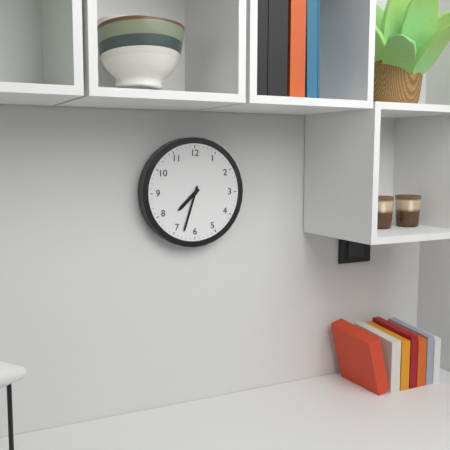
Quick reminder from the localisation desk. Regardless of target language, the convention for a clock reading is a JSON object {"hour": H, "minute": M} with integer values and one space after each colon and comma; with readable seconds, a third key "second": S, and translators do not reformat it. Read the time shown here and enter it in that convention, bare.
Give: {"hour": 7, "minute": 33}
